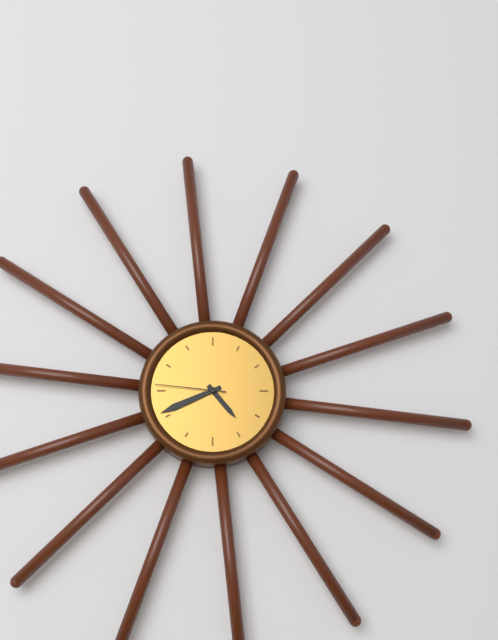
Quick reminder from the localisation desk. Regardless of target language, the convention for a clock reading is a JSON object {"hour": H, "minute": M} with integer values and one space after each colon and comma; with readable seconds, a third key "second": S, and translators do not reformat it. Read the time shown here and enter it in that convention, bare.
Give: {"hour": 4, "minute": 41, "second": 46}
